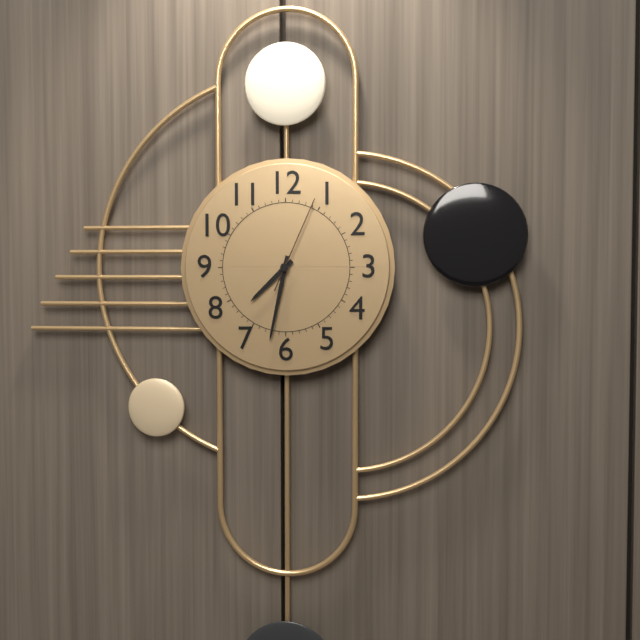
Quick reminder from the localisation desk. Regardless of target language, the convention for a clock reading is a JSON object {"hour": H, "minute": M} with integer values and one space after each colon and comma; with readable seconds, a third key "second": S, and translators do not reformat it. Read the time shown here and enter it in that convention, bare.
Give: {"hour": 7, "minute": 32, "second": 4}
